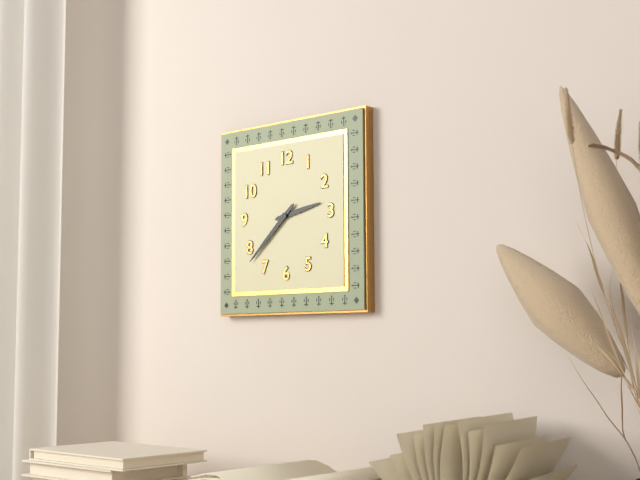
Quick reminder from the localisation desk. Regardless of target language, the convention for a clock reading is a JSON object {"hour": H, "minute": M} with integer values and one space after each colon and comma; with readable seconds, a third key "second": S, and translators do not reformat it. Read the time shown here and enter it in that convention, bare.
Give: {"hour": 2, "minute": 38}
